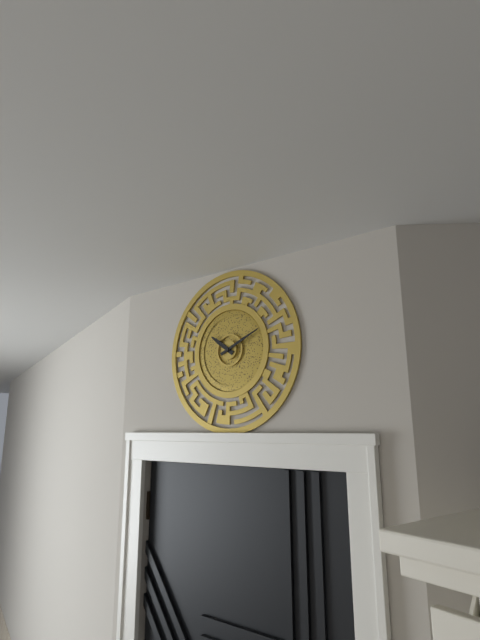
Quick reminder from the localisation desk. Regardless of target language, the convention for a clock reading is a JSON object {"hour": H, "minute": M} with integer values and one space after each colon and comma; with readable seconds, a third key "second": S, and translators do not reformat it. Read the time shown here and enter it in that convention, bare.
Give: {"hour": 10, "minute": 11}
